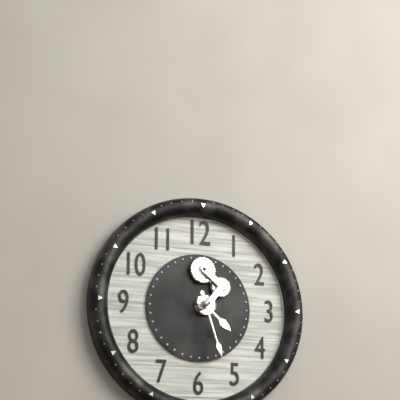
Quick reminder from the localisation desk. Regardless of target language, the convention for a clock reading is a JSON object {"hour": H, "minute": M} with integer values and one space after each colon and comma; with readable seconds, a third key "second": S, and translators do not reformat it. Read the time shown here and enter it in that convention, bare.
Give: {"hour": 4, "minute": 27}
